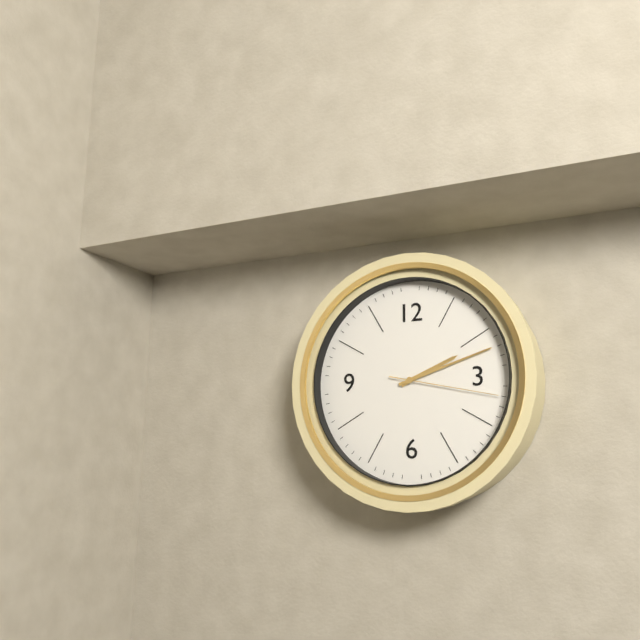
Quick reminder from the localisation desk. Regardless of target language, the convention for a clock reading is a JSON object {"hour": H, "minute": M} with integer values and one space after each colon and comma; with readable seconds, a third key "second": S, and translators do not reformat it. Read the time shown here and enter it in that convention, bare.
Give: {"hour": 2, "minute": 12, "second": 17}
